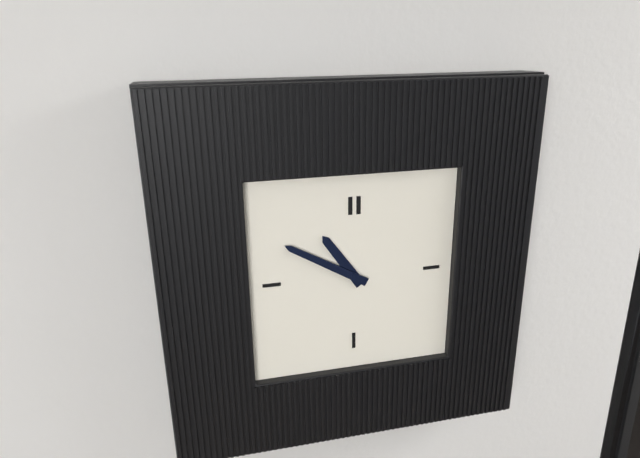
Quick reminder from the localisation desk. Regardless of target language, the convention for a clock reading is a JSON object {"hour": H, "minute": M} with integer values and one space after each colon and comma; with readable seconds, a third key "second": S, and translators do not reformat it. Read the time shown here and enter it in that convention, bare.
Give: {"hour": 10, "minute": 50}
